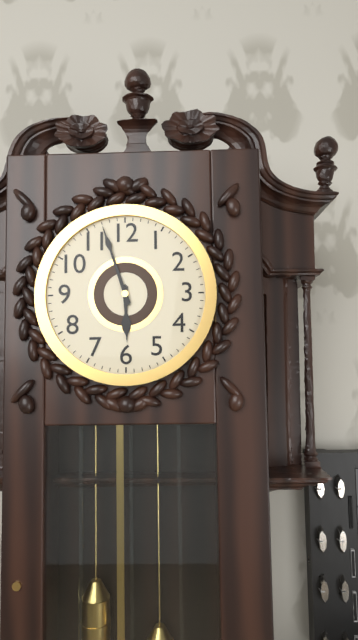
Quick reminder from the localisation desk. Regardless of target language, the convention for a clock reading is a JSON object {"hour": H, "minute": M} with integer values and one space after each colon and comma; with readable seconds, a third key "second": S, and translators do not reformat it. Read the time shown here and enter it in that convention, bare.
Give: {"hour": 5, "minute": 57}
